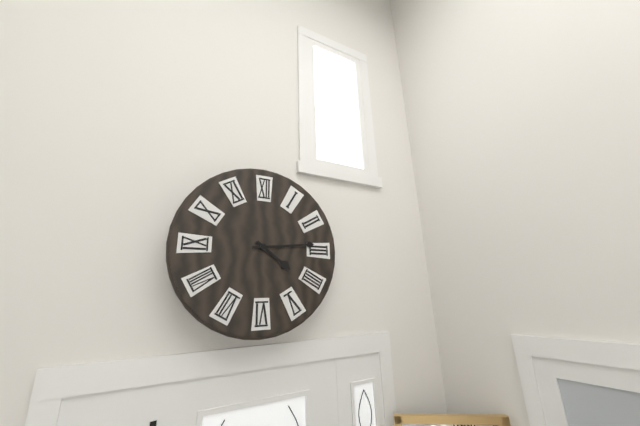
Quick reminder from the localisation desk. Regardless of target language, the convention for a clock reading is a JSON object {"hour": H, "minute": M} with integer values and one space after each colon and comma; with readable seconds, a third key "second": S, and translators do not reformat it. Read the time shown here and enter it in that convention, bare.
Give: {"hour": 4, "minute": 14}
